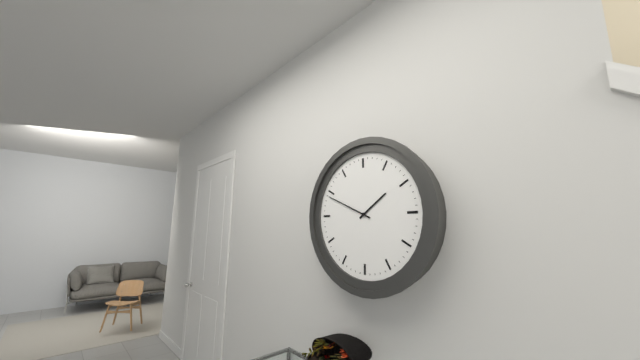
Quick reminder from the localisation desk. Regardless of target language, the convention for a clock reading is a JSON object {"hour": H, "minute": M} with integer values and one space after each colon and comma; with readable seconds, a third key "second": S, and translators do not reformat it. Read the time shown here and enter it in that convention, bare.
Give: {"hour": 1, "minute": 49}
